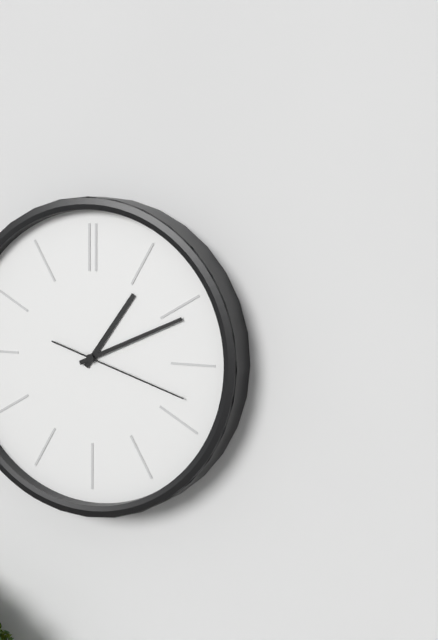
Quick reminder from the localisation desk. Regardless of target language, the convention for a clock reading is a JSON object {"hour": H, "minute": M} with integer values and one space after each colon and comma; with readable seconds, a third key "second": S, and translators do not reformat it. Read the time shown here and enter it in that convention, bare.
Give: {"hour": 1, "minute": 11, "second": 18}
